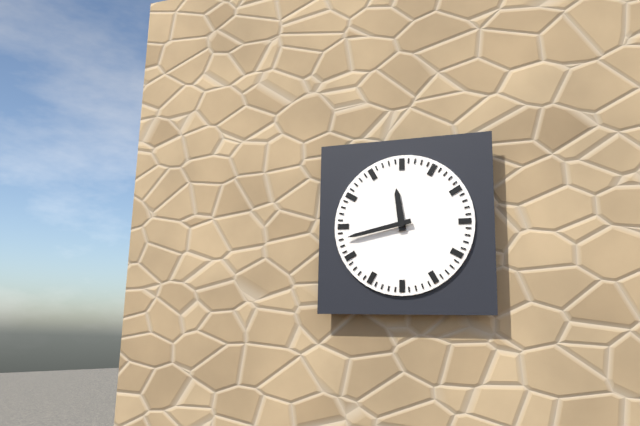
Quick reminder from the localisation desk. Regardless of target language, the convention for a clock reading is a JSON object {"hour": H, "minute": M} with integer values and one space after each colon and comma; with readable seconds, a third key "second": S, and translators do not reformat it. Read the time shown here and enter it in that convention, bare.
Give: {"hour": 11, "minute": 43}
